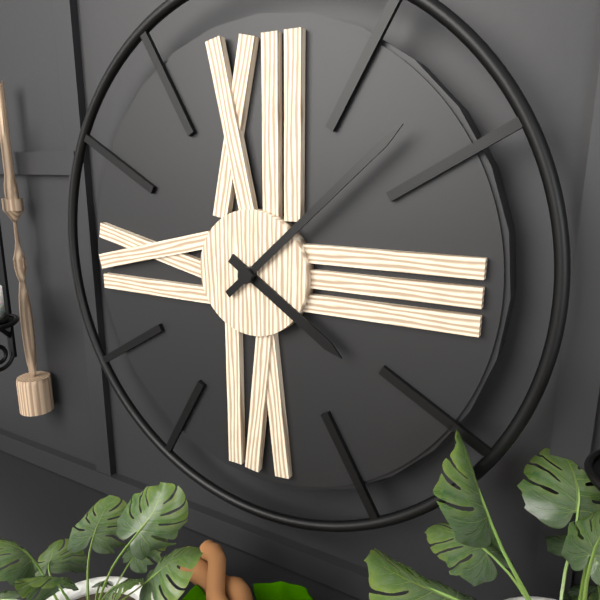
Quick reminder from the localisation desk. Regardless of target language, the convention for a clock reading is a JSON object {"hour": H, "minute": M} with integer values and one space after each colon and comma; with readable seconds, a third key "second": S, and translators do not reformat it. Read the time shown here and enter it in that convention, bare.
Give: {"hour": 4, "minute": 8}
